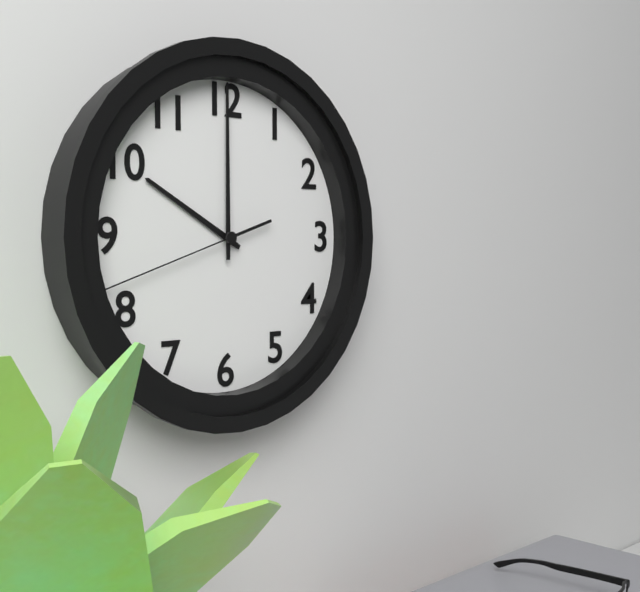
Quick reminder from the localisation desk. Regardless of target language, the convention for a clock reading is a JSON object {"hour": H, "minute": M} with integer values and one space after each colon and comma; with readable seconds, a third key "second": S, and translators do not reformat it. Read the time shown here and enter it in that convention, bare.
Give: {"hour": 10, "minute": 0, "second": 42}
